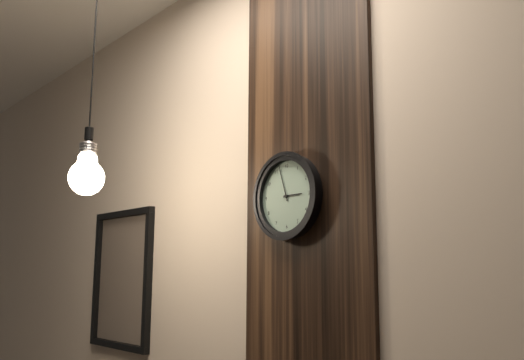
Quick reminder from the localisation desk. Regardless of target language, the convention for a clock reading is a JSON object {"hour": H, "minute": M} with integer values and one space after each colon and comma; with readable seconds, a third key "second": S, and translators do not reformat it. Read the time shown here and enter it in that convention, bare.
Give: {"hour": 2, "minute": 57}
